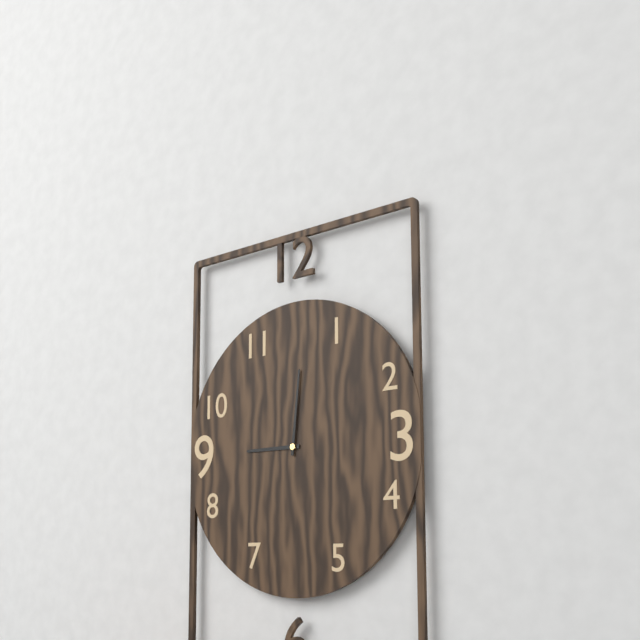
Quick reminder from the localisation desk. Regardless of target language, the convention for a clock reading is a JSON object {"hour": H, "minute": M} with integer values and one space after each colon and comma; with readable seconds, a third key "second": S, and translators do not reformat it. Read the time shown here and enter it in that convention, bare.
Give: {"hour": 9, "minute": 1}
